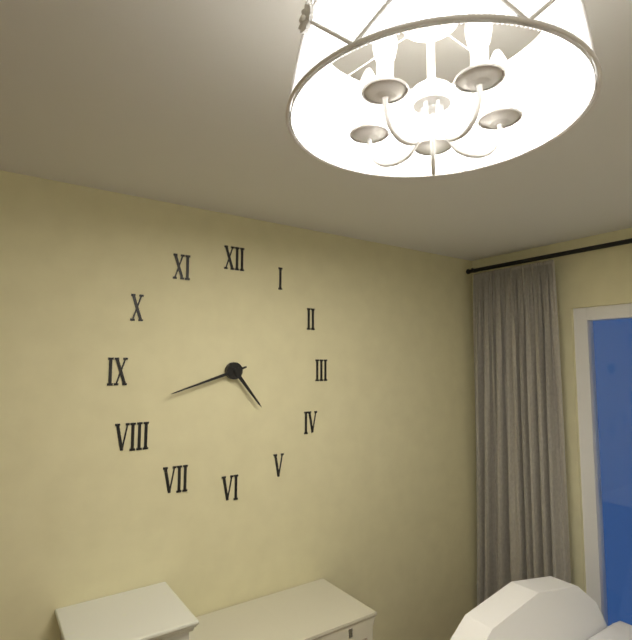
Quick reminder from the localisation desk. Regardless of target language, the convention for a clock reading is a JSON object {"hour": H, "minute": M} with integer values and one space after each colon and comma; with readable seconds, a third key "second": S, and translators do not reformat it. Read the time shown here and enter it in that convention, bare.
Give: {"hour": 4, "minute": 42}
